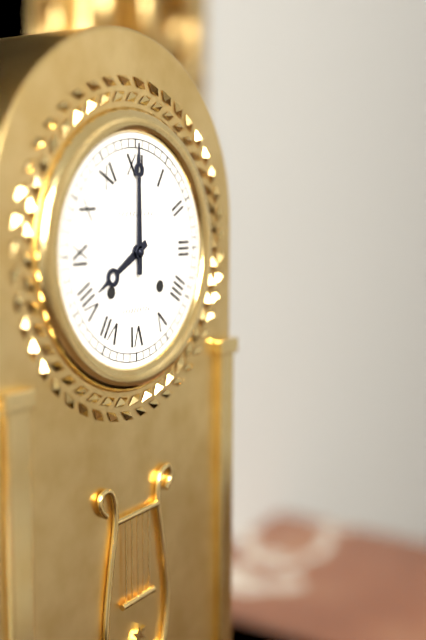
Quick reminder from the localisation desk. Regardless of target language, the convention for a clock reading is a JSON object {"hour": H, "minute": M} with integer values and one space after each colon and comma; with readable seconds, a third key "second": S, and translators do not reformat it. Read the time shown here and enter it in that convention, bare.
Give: {"hour": 8, "minute": 0}
